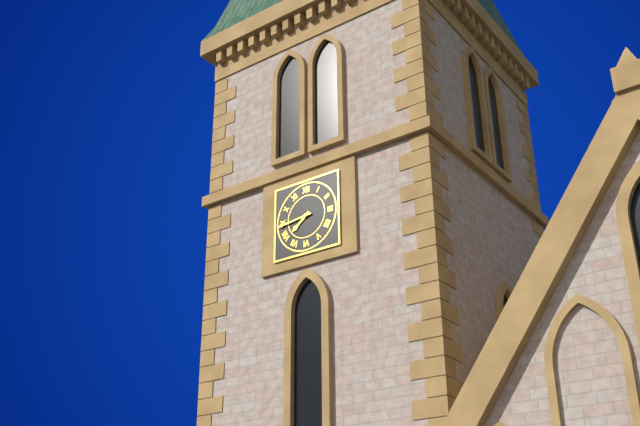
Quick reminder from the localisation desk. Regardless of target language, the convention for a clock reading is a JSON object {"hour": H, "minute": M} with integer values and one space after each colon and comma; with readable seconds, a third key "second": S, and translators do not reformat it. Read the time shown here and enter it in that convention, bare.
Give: {"hour": 7, "minute": 44}
